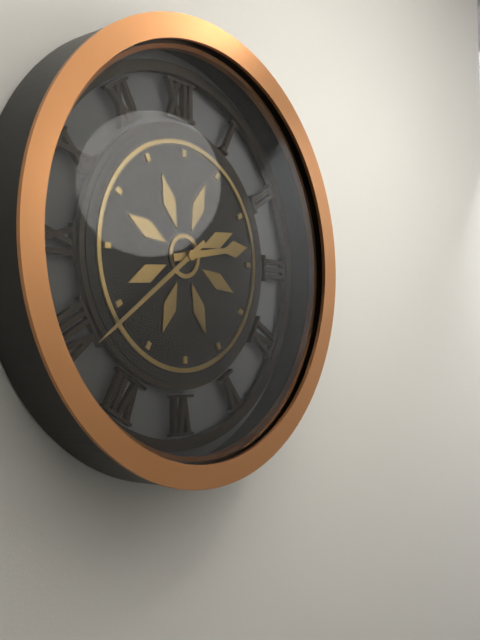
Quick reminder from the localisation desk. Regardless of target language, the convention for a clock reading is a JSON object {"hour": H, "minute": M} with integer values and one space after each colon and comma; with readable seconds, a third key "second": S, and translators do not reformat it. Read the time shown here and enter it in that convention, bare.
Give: {"hour": 2, "minute": 39}
